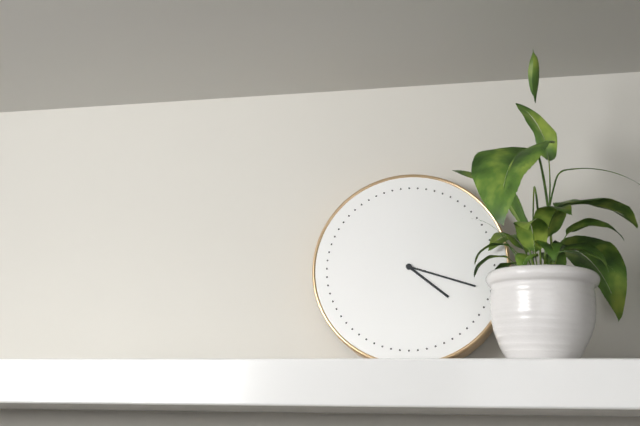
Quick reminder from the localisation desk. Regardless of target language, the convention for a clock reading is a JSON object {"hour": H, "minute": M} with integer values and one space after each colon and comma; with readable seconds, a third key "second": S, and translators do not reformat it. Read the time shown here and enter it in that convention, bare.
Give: {"hour": 4, "minute": 18}
